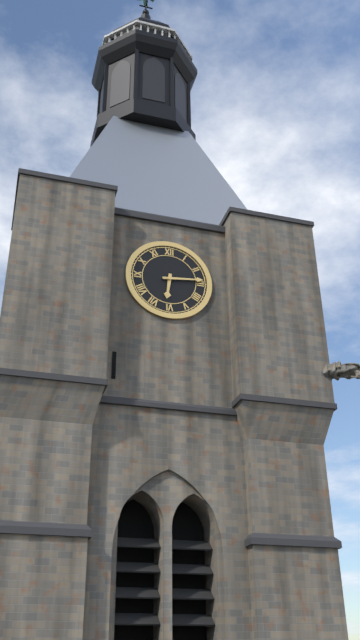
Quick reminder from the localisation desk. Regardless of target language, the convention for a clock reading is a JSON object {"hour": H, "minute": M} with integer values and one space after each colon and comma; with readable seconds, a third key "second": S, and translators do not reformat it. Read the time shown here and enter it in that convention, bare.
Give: {"hour": 6, "minute": 14}
